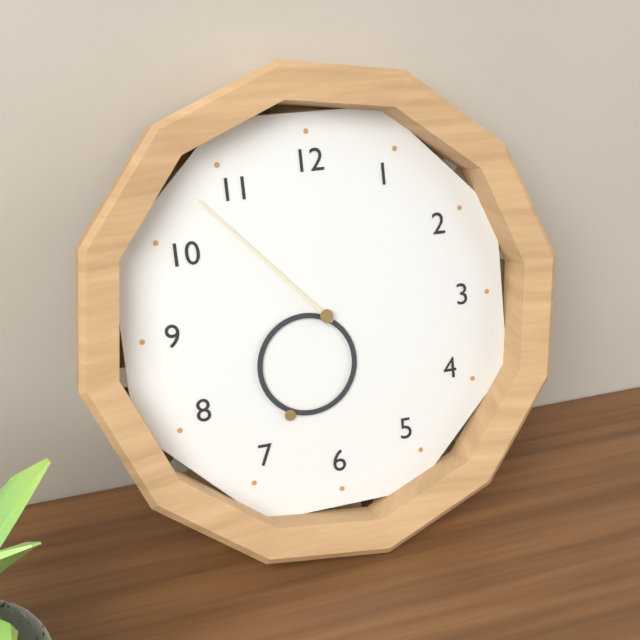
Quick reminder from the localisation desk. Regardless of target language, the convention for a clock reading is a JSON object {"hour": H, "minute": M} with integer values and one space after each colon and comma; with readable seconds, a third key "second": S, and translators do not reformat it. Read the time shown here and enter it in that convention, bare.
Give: {"hour": 6, "minute": 53}
